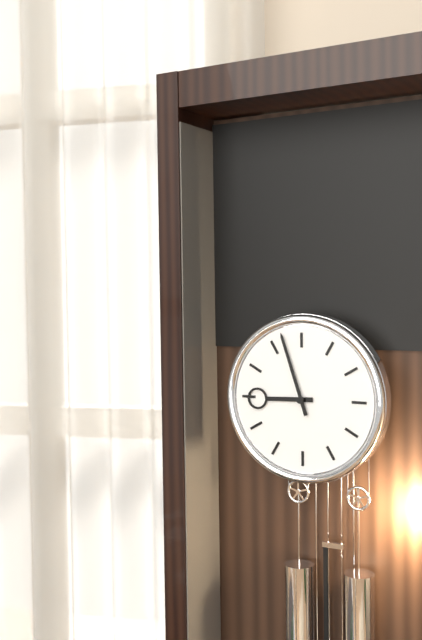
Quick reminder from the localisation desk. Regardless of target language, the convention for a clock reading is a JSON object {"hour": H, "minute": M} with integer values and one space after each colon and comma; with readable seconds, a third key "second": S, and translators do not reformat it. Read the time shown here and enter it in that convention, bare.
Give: {"hour": 8, "minute": 57}
